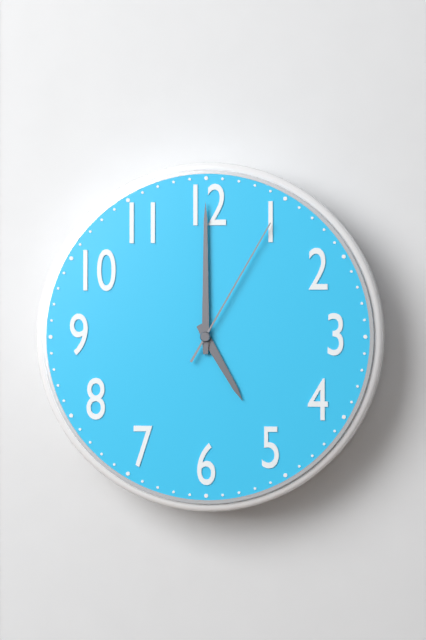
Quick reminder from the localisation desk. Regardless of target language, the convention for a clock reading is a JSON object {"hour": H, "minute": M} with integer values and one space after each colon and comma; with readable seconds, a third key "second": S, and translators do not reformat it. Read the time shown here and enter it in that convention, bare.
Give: {"hour": 5, "minute": 0, "second": 5}
